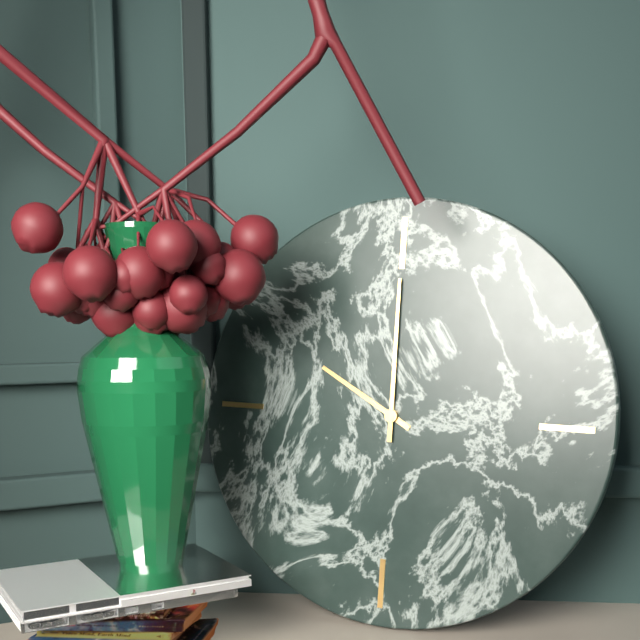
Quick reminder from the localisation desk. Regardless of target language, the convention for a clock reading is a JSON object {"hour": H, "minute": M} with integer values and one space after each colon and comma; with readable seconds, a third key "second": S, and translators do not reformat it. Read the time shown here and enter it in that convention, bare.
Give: {"hour": 10, "minute": 0}
